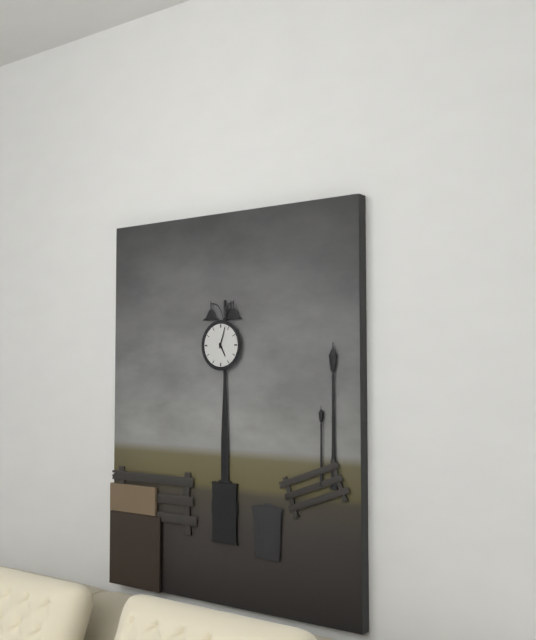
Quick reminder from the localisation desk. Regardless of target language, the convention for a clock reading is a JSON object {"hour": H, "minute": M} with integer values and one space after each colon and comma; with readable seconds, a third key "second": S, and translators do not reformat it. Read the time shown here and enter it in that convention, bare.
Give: {"hour": 5, "minute": 3}
